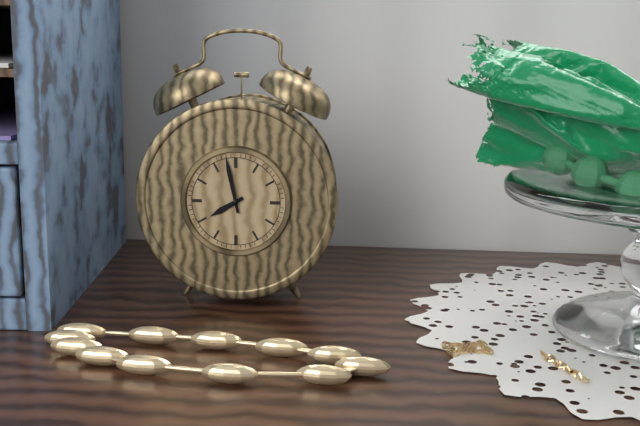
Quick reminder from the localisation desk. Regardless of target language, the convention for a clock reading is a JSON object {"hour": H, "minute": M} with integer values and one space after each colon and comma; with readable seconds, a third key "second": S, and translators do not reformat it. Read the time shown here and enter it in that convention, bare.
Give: {"hour": 7, "minute": 58}
